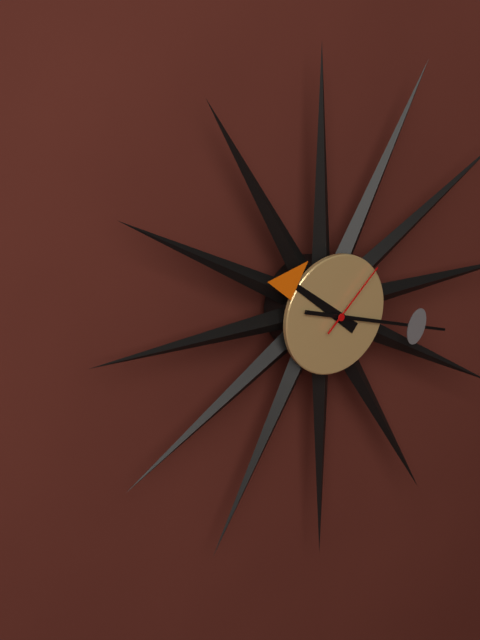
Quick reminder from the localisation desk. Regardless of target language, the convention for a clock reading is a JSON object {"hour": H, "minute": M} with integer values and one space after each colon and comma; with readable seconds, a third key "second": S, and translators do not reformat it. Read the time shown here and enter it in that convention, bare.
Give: {"hour": 10, "minute": 18, "second": 8}
